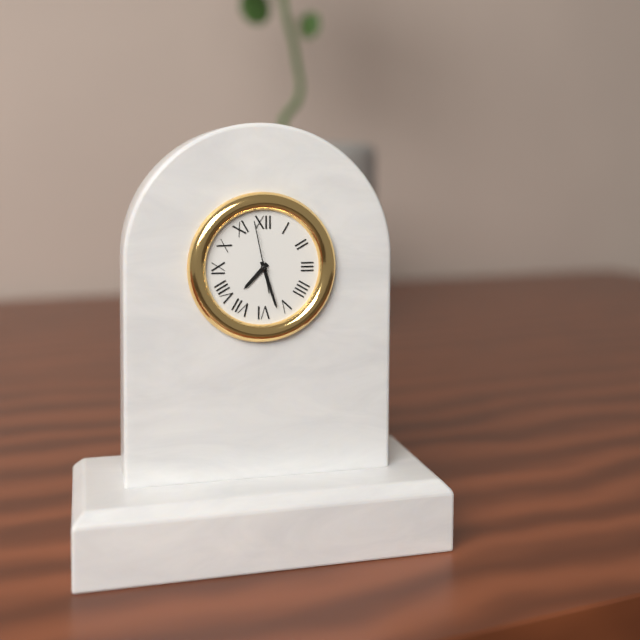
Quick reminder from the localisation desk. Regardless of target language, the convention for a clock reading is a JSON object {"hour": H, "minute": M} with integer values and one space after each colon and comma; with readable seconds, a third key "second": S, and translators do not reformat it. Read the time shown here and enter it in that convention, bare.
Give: {"hour": 7, "minute": 27, "second": 58}
